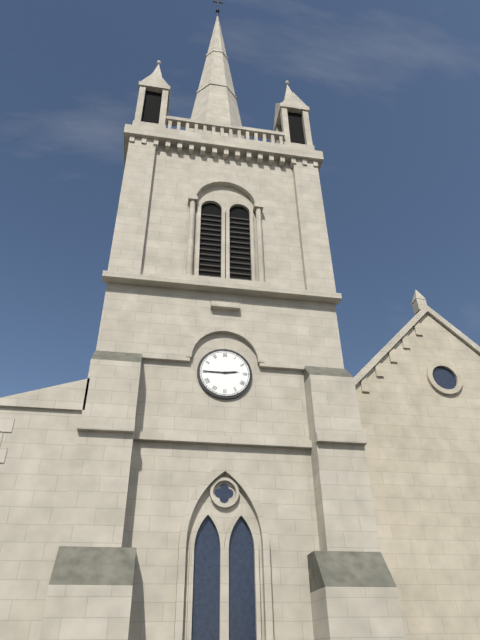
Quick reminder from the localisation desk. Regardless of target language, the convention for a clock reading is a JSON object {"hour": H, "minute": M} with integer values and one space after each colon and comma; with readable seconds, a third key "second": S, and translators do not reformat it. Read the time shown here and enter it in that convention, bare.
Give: {"hour": 2, "minute": 45}
